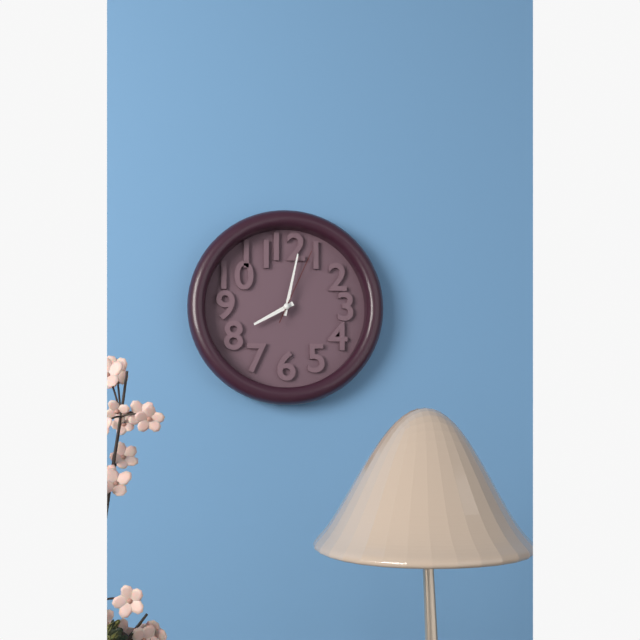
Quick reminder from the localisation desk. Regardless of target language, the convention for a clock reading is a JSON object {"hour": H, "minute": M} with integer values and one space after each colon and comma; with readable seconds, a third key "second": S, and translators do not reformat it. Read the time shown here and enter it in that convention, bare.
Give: {"hour": 8, "minute": 2, "second": 4}
